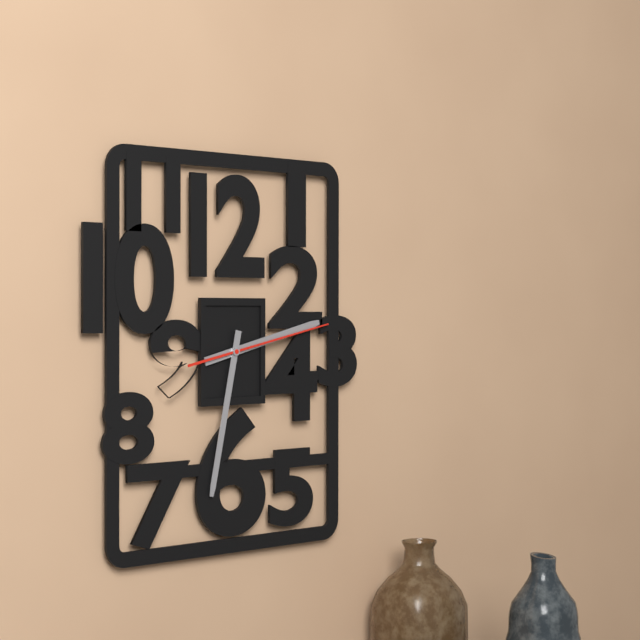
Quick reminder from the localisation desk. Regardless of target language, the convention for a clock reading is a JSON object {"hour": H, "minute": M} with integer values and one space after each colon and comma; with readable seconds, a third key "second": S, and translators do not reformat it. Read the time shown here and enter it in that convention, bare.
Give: {"hour": 2, "minute": 32, "second": 13}
